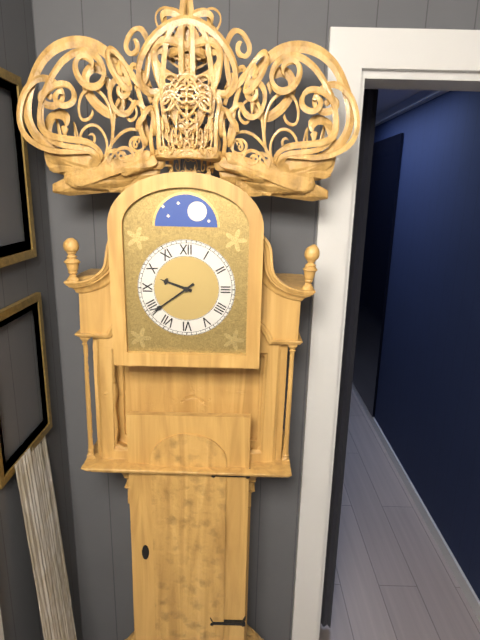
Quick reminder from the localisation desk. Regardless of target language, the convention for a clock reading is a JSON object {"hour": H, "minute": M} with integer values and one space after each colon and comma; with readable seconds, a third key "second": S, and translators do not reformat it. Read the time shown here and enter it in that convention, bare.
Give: {"hour": 9, "minute": 39}
